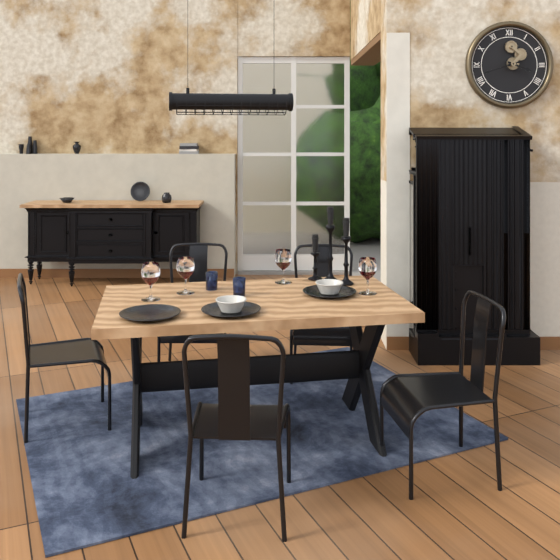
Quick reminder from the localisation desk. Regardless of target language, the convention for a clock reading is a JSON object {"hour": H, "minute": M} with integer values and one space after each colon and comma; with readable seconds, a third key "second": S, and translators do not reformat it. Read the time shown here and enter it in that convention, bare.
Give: {"hour": 3, "minute": 42}
